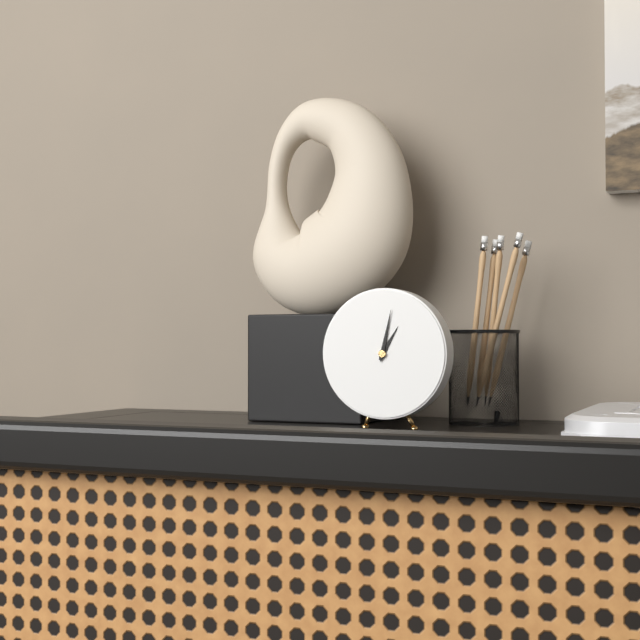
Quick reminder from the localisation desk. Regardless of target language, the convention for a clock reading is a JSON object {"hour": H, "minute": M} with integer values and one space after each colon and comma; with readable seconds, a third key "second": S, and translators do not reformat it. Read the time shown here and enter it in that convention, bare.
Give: {"hour": 1, "minute": 2}
